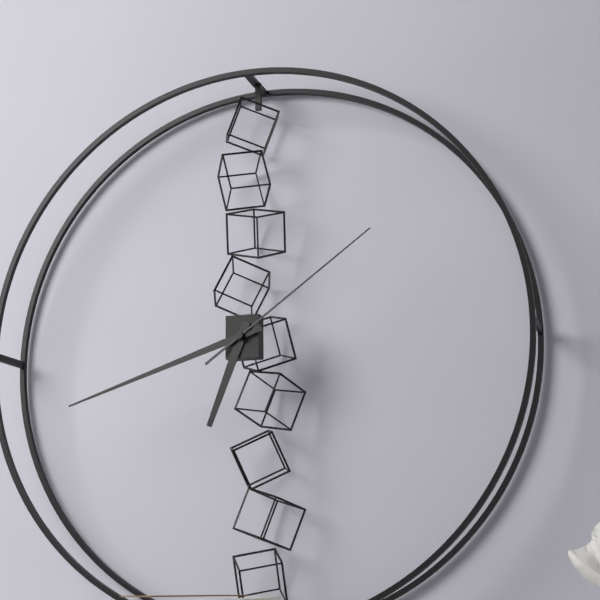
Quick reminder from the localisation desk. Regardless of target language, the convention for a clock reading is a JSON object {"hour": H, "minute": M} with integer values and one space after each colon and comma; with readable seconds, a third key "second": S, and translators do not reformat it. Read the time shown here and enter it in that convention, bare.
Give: {"hour": 6, "minute": 42, "second": 9}
